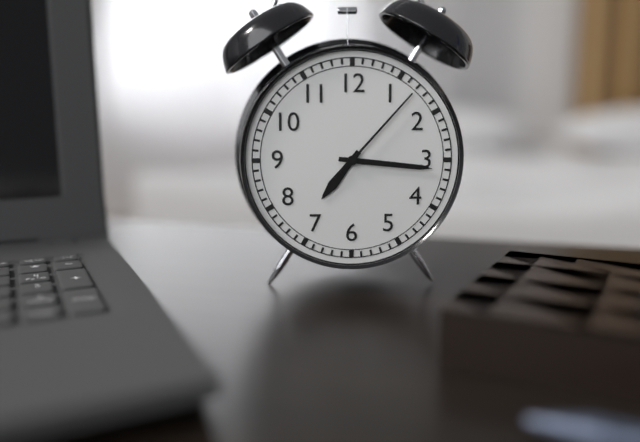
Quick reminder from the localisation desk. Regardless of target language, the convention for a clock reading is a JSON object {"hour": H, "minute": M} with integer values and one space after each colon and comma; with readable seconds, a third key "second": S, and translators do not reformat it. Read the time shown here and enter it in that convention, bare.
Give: {"hour": 7, "minute": 16, "second": 7}
